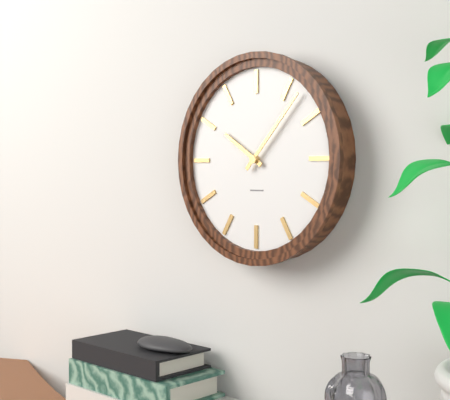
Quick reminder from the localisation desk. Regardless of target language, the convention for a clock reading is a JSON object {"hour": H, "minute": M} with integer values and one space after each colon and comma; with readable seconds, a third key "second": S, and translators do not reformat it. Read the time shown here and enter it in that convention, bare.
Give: {"hour": 10, "minute": 7}
